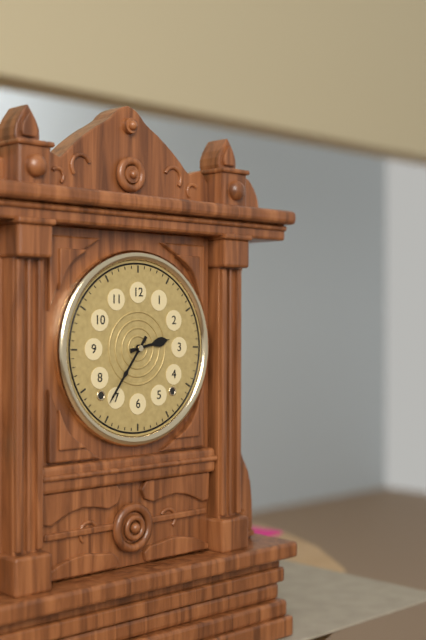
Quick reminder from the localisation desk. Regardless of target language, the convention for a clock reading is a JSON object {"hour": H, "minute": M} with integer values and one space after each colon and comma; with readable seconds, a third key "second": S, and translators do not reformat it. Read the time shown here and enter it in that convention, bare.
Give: {"hour": 2, "minute": 36}
